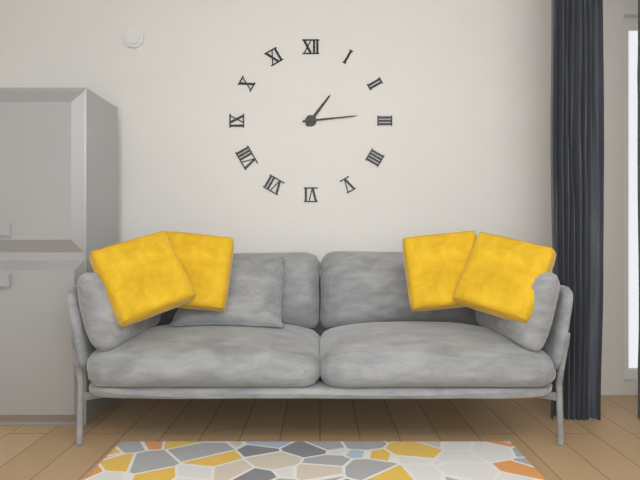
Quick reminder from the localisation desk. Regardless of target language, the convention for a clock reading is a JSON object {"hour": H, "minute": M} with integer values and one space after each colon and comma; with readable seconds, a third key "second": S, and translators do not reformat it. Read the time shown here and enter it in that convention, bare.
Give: {"hour": 1, "minute": 14}
